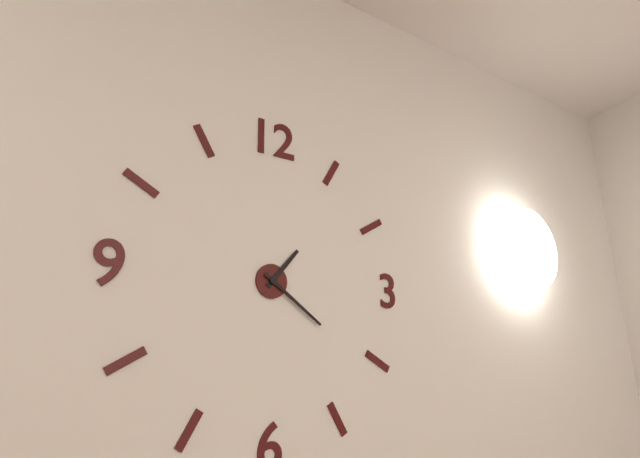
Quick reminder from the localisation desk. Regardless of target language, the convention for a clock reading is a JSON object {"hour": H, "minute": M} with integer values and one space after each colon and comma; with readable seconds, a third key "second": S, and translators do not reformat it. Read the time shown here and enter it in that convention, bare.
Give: {"hour": 1, "minute": 21}
